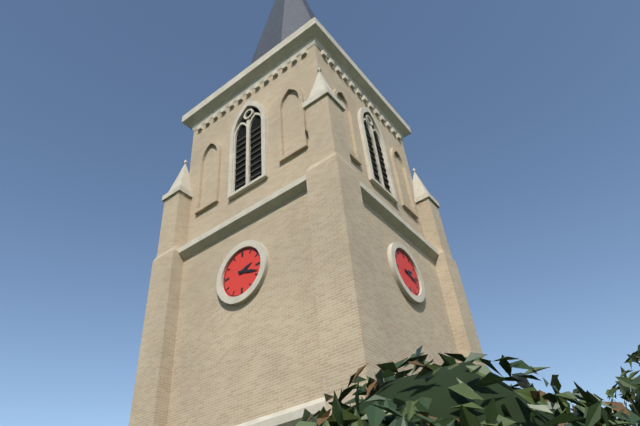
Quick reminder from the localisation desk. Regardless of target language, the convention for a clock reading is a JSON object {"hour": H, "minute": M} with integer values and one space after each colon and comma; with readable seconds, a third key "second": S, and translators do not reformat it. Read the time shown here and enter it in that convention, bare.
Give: {"hour": 2, "minute": 18}
